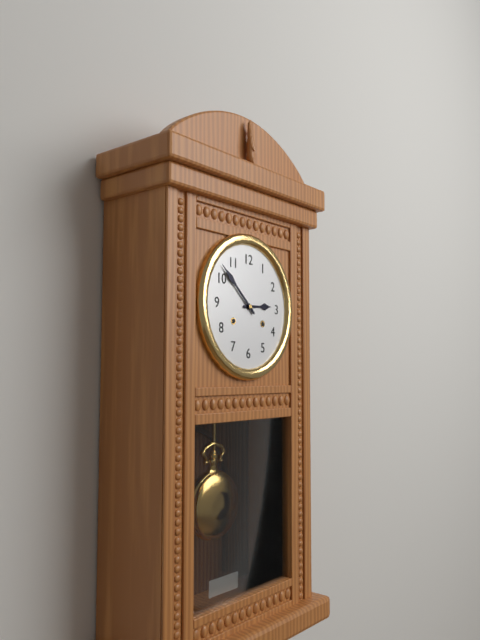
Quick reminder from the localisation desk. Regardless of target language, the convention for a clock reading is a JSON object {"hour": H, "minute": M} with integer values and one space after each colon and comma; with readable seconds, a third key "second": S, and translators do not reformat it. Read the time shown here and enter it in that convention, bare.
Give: {"hour": 2, "minute": 52}
